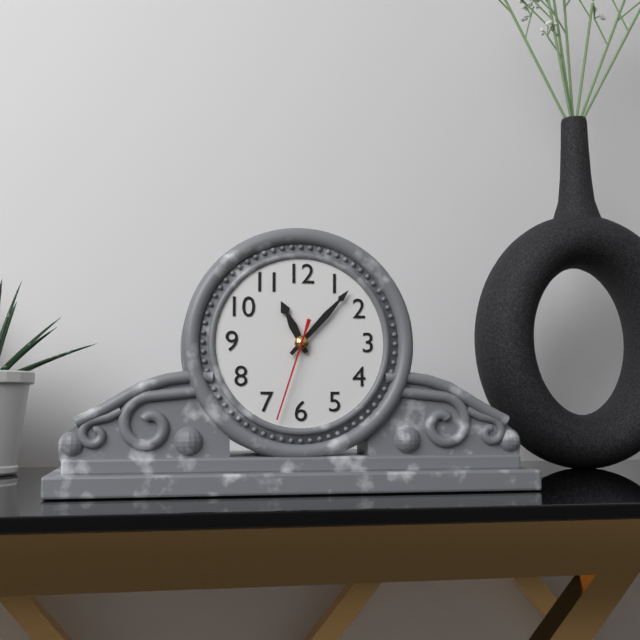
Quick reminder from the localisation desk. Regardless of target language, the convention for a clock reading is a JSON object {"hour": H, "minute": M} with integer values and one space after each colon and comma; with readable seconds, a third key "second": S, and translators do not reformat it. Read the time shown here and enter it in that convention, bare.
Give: {"hour": 11, "minute": 7, "second": 33}
